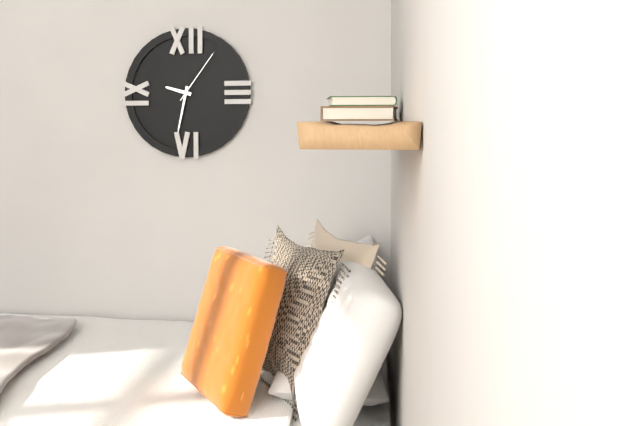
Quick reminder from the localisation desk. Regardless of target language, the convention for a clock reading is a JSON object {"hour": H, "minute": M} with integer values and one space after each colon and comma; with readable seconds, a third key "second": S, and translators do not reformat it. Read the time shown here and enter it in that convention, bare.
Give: {"hour": 9, "minute": 32, "second": 6}
